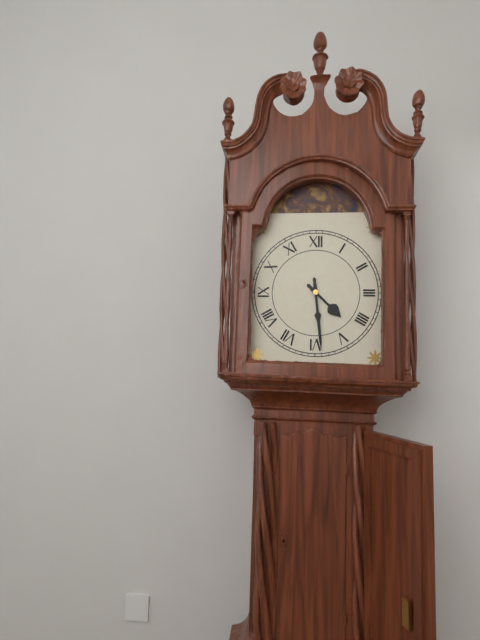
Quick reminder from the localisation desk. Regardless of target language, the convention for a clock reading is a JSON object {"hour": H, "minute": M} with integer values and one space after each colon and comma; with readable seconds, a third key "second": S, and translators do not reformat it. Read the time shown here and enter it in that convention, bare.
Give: {"hour": 4, "minute": 29}
